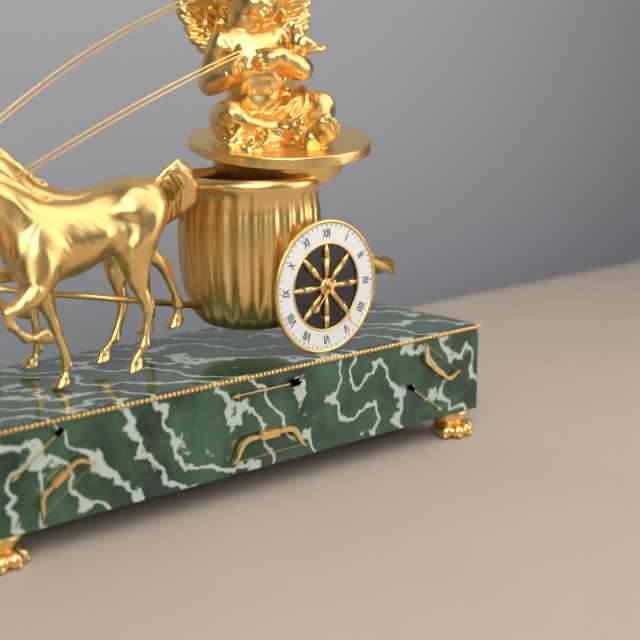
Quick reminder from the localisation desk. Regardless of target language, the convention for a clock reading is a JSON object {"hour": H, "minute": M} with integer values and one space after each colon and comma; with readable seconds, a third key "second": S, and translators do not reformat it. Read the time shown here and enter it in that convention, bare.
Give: {"hour": 7, "minute": 24}
